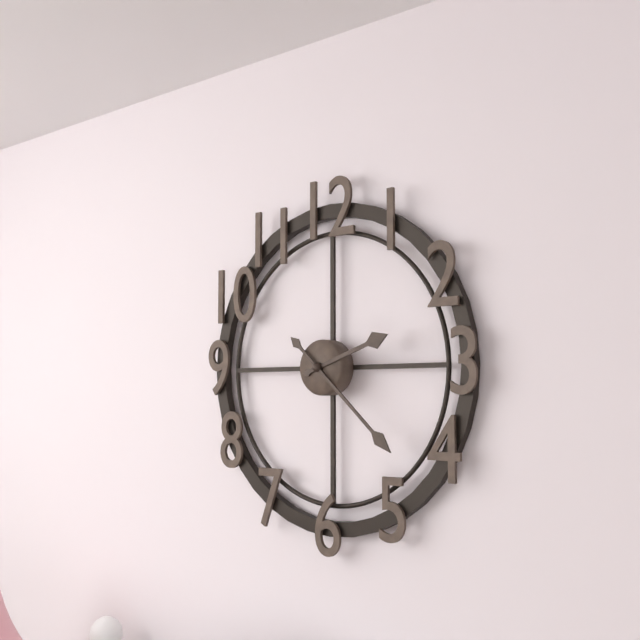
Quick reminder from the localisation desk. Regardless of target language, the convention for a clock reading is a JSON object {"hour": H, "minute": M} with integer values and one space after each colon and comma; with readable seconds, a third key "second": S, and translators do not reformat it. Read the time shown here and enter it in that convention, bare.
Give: {"hour": 2, "minute": 22}
